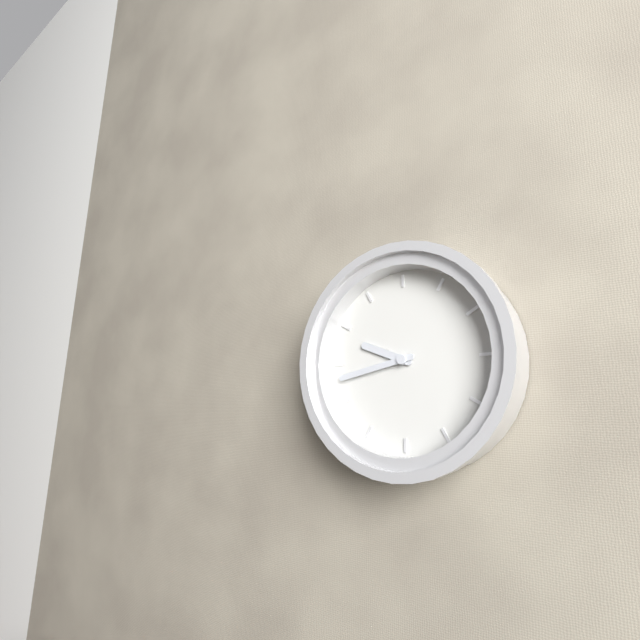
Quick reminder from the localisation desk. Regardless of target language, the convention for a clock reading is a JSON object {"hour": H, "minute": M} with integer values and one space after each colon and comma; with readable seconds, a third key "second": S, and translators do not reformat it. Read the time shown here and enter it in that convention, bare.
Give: {"hour": 9, "minute": 43}
